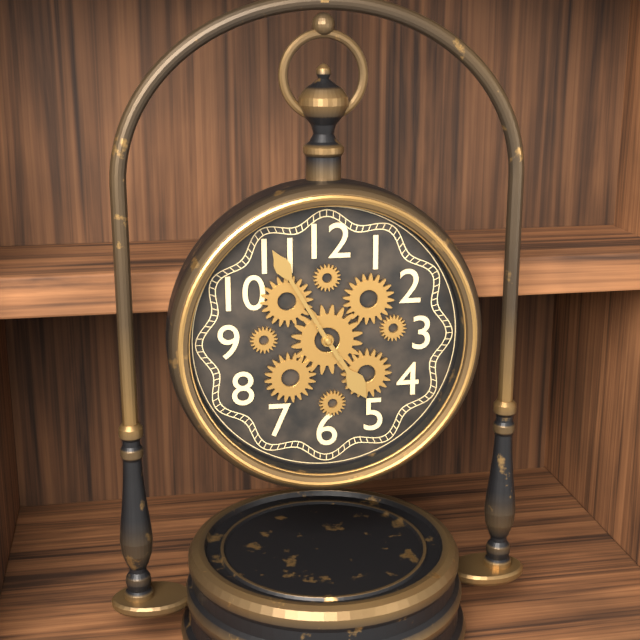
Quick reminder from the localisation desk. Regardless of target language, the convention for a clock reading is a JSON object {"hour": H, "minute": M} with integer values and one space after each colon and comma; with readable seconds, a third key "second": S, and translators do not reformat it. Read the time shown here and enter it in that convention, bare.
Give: {"hour": 4, "minute": 55}
